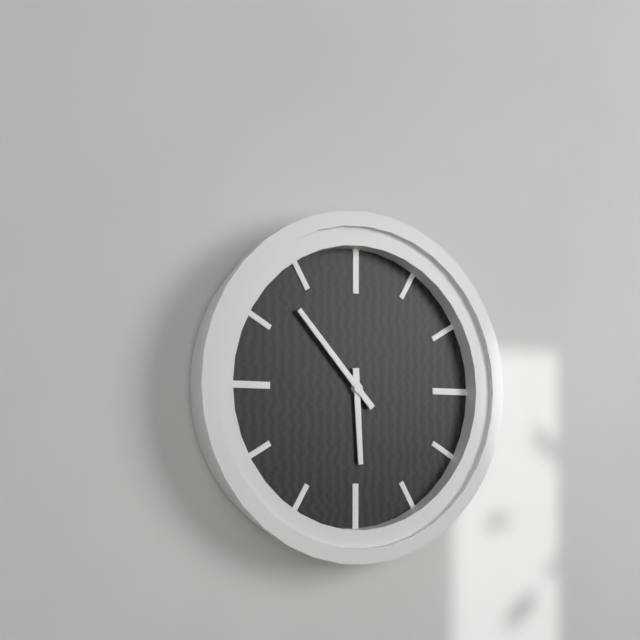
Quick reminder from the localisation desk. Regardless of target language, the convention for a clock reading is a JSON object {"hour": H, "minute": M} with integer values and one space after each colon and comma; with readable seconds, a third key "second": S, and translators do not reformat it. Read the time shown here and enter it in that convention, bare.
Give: {"hour": 5, "minute": 53}
